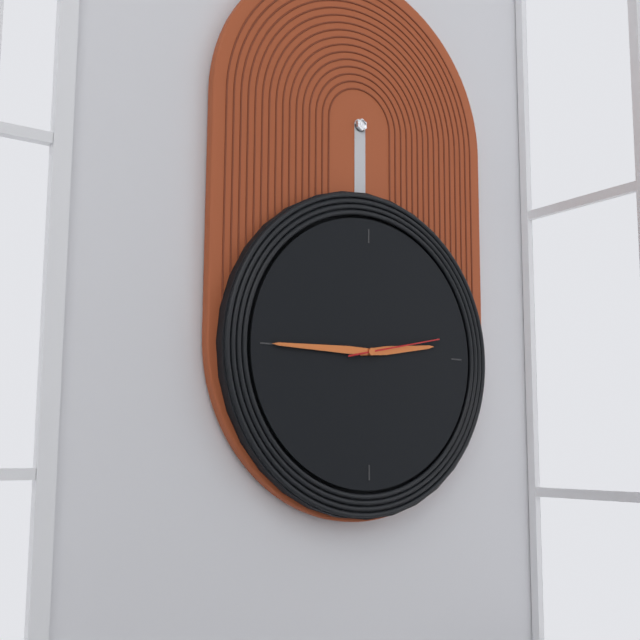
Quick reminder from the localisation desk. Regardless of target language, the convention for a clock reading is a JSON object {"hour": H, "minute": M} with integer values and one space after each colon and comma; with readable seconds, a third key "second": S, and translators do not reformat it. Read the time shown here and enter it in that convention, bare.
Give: {"hour": 2, "minute": 45, "second": 13}
